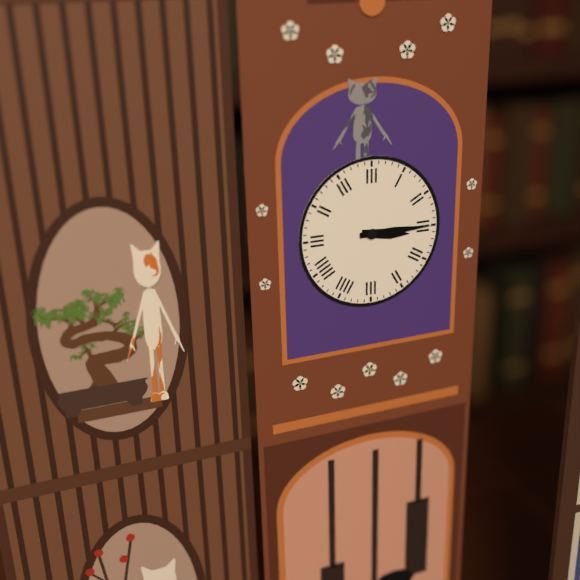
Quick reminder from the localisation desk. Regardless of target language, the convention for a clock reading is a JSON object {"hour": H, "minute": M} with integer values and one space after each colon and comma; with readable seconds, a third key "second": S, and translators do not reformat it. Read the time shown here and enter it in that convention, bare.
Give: {"hour": 3, "minute": 15}
